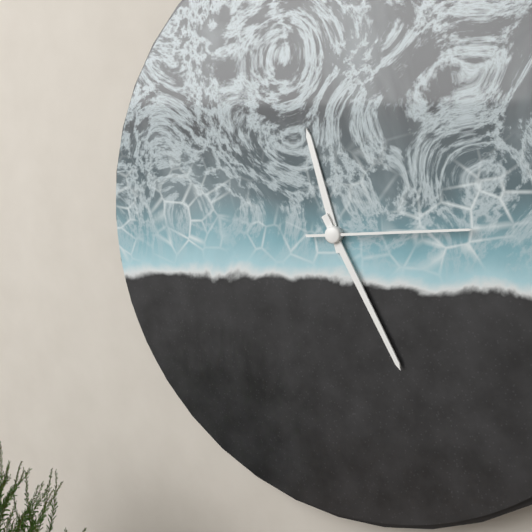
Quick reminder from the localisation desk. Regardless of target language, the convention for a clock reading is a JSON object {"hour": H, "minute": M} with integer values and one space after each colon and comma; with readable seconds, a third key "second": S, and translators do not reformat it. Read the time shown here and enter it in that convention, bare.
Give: {"hour": 11, "minute": 25, "second": 14}
